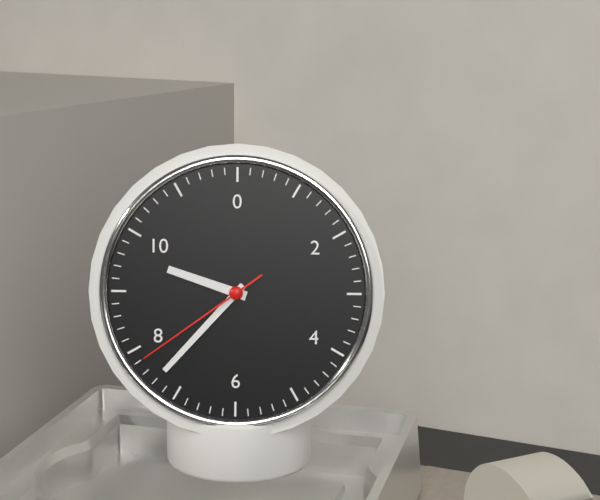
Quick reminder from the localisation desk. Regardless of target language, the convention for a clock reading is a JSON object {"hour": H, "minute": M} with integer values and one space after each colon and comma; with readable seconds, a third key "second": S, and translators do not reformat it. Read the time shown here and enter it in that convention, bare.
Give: {"hour": 9, "minute": 37, "second": 39}
